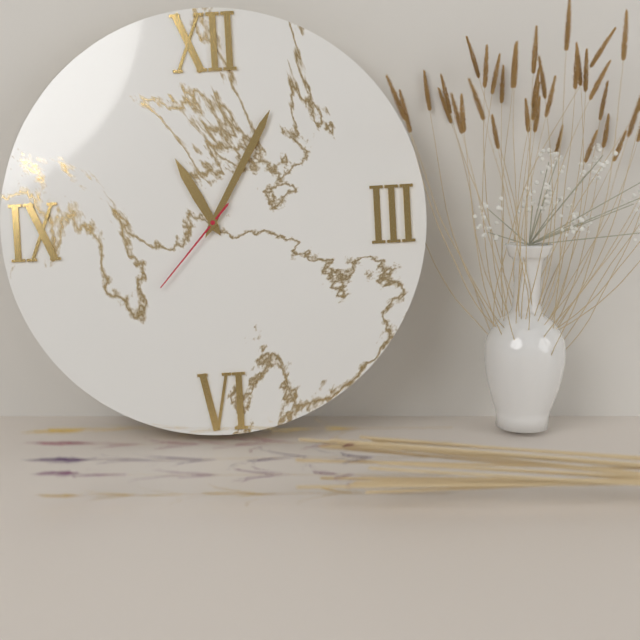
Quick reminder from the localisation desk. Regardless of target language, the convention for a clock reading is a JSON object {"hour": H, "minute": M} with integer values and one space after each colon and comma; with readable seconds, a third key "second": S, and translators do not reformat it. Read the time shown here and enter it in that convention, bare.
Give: {"hour": 11, "minute": 5, "second": 37}
